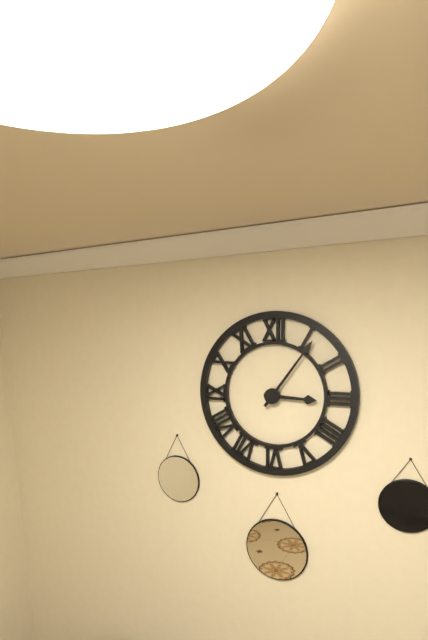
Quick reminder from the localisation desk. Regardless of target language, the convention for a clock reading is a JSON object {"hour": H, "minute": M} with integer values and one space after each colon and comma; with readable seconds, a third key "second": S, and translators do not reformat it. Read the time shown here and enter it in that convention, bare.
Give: {"hour": 3, "minute": 6}
